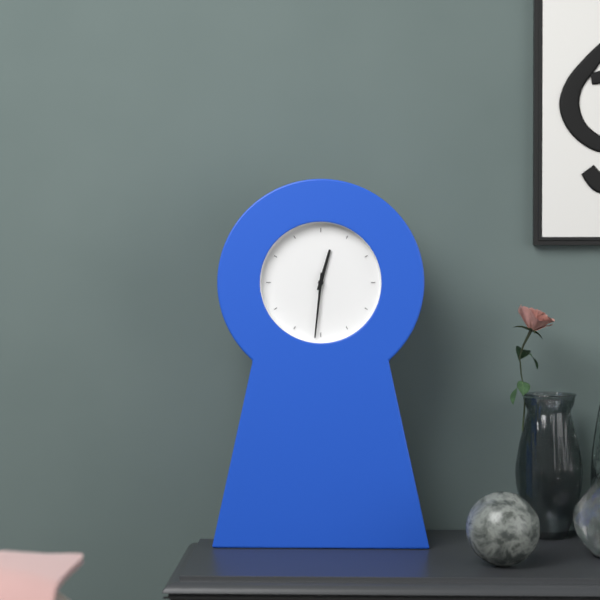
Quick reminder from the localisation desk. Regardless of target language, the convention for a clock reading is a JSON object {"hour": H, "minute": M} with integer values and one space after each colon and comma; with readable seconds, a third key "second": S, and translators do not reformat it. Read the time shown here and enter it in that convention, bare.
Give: {"hour": 12, "minute": 31}
